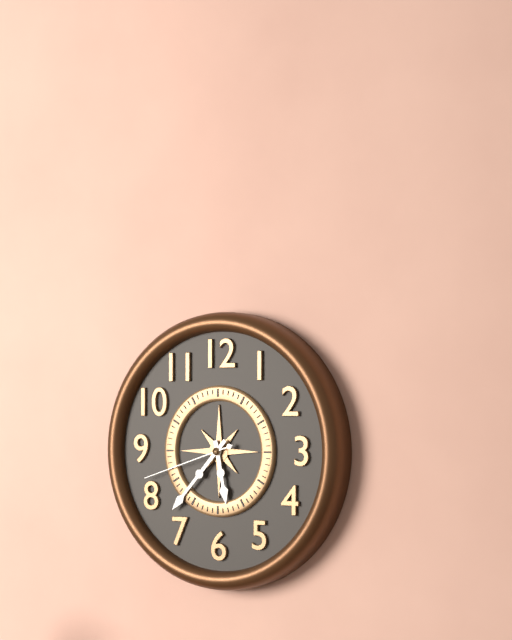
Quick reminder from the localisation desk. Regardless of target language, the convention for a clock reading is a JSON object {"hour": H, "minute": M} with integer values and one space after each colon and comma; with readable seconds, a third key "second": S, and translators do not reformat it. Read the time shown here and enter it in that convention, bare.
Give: {"hour": 5, "minute": 37, "second": 42}
